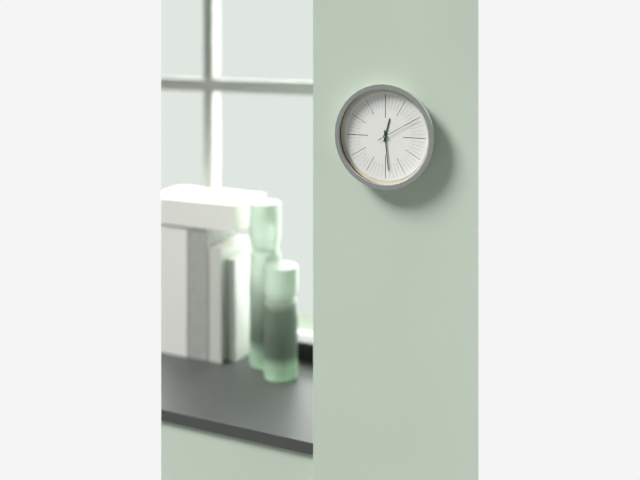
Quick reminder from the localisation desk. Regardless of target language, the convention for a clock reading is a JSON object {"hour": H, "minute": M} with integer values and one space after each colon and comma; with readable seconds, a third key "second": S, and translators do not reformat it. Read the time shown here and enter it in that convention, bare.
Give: {"hour": 12, "minute": 29}
